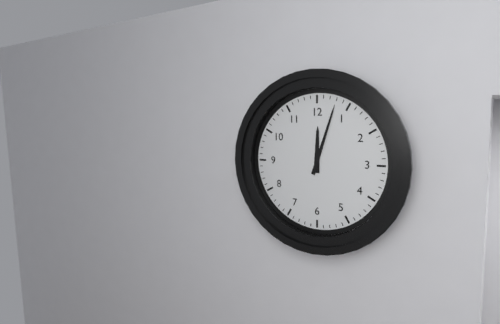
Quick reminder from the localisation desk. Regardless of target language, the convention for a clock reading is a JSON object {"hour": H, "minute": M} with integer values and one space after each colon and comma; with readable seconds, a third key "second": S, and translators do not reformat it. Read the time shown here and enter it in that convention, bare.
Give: {"hour": 12, "minute": 3}
